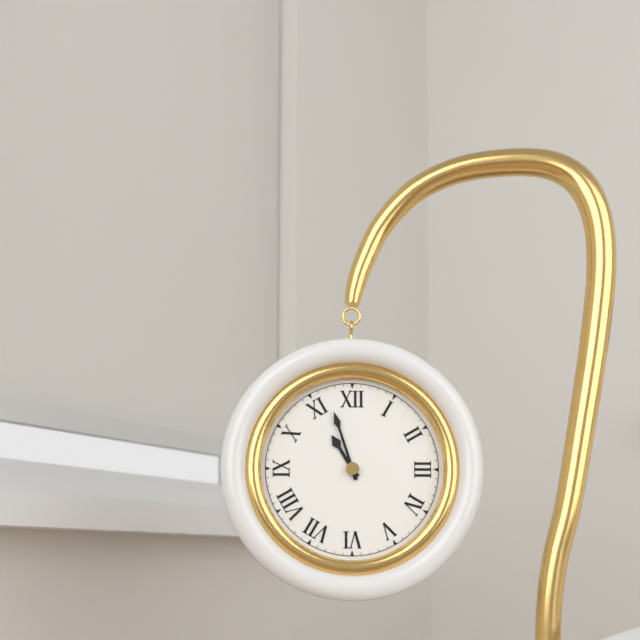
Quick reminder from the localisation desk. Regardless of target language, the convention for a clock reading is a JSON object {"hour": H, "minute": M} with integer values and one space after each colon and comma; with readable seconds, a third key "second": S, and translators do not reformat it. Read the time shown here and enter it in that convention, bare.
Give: {"hour": 10, "minute": 57}
